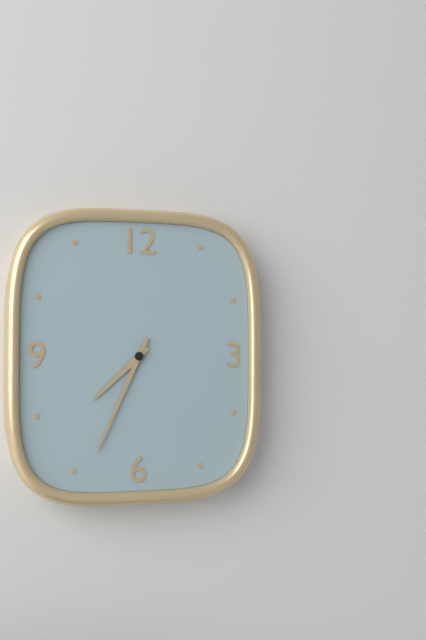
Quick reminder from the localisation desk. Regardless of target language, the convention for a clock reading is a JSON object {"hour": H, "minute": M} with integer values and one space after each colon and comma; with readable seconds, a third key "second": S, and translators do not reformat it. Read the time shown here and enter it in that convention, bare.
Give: {"hour": 7, "minute": 34}
